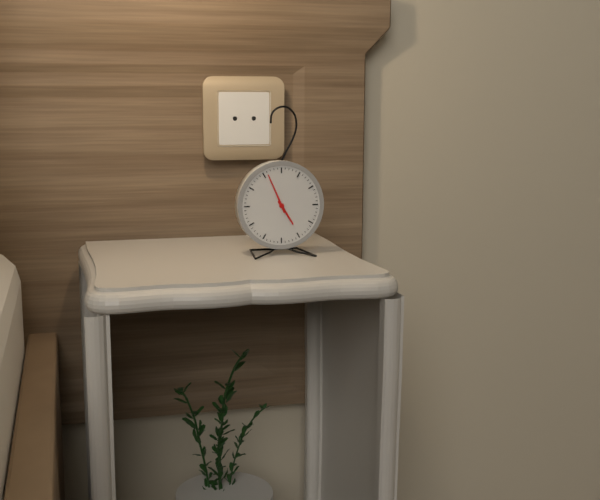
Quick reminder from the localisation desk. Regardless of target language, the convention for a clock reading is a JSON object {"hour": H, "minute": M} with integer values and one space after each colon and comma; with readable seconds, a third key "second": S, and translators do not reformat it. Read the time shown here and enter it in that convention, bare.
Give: {"hour": 4, "minute": 56}
